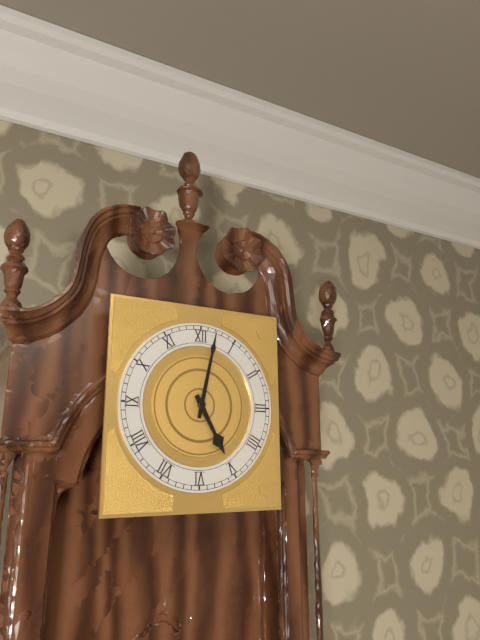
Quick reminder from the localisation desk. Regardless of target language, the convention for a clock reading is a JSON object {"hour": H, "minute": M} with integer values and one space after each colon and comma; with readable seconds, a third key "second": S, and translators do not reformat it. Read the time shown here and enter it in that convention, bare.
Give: {"hour": 5, "minute": 2}
